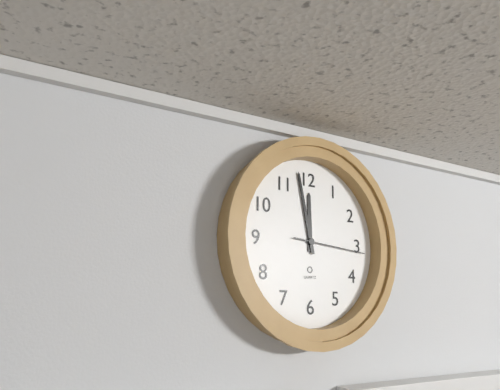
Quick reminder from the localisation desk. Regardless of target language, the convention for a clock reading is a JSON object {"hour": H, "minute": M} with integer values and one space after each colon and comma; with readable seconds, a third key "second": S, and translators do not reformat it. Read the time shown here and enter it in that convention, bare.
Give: {"hour": 11, "minute": 58, "second": 16}
